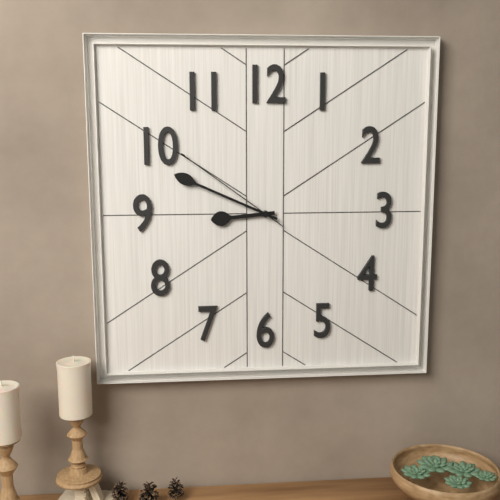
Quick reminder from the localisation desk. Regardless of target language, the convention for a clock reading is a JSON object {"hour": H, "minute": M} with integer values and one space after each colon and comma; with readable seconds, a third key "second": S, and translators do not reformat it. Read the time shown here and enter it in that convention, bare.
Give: {"hour": 8, "minute": 49, "second": 51}
